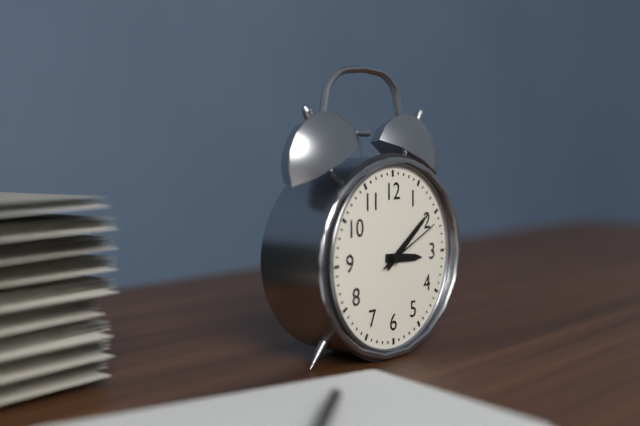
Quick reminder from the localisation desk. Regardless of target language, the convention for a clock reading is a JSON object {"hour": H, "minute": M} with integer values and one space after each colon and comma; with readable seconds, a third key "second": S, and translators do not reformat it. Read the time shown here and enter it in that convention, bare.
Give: {"hour": 3, "minute": 9, "second": 11}
